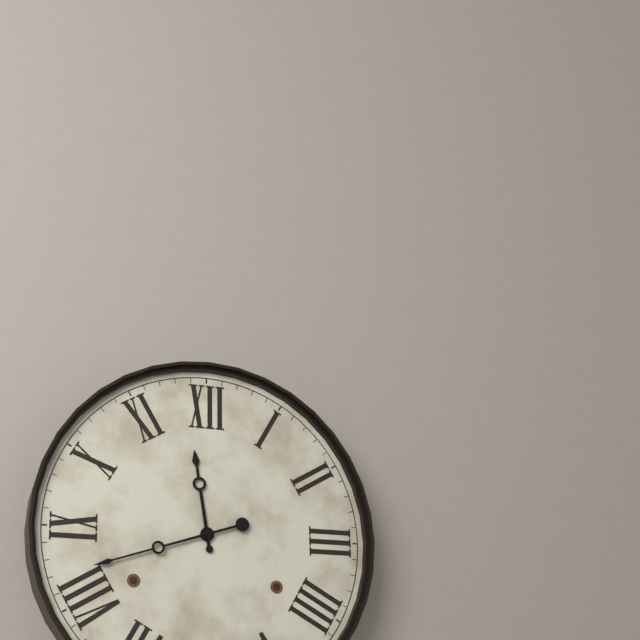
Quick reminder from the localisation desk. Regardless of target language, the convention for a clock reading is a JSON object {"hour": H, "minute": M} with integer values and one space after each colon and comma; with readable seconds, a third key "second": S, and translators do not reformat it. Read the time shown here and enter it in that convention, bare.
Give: {"hour": 11, "minute": 42}
